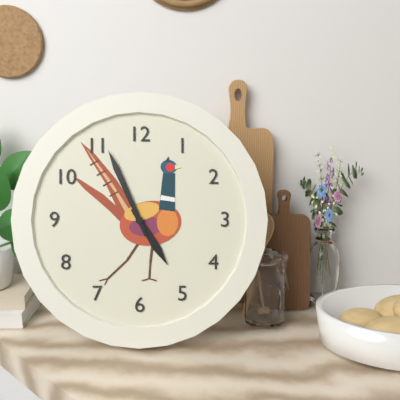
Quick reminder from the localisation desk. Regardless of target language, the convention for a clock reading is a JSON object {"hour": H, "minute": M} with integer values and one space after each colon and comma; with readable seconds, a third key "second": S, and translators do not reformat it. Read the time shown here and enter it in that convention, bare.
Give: {"hour": 4, "minute": 56}
